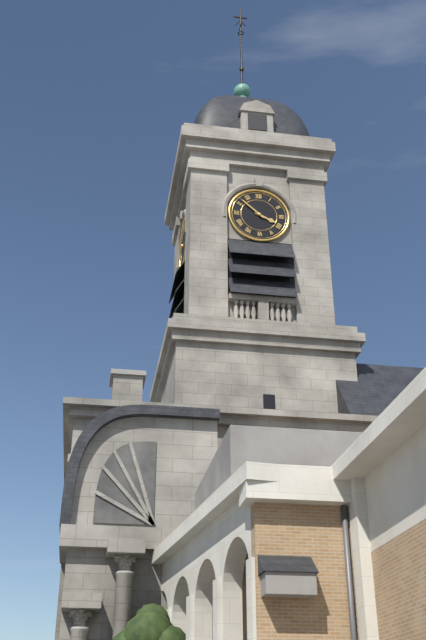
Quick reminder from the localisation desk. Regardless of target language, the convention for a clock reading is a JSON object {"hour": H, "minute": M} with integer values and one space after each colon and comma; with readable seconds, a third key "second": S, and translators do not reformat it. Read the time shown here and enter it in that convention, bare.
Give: {"hour": 3, "minute": 52}
